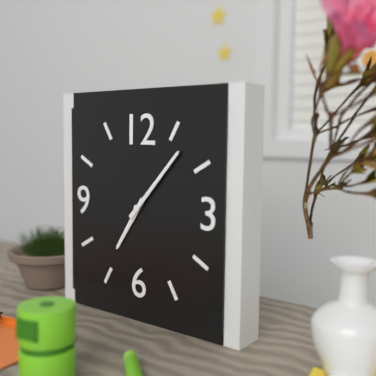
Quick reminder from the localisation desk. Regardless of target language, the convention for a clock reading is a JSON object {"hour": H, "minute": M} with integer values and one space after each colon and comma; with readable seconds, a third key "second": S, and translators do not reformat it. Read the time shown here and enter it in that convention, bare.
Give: {"hour": 7, "minute": 7}
